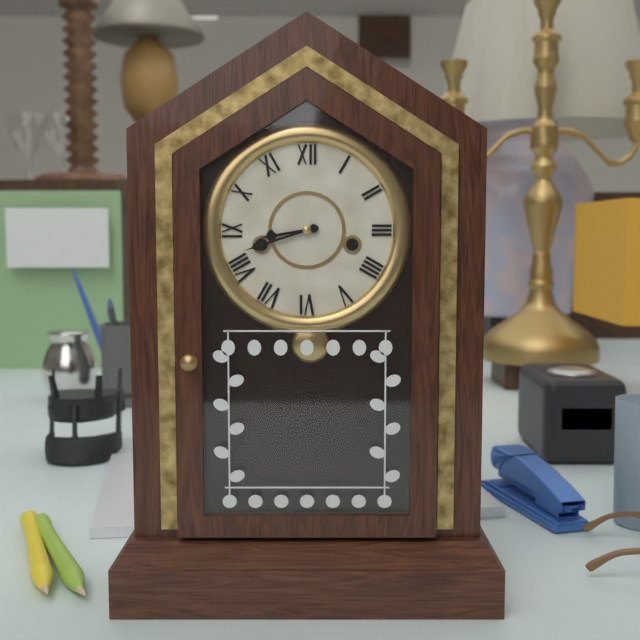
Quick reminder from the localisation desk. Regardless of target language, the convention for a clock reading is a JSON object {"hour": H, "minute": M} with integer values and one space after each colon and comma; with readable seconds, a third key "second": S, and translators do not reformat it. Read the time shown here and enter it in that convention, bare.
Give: {"hour": 8, "minute": 42}
